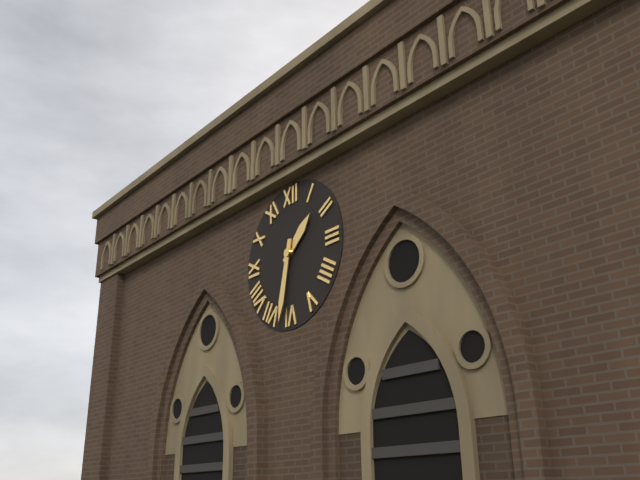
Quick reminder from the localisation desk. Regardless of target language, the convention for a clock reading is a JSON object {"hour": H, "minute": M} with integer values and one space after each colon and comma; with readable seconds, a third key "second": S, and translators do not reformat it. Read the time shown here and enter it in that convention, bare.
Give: {"hour": 1, "minute": 32}
